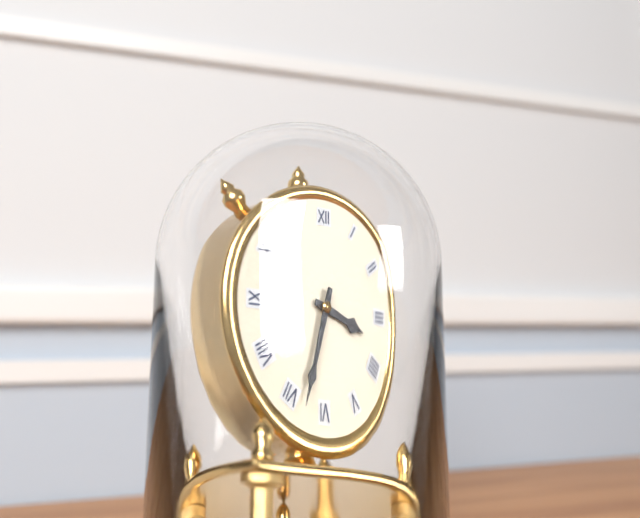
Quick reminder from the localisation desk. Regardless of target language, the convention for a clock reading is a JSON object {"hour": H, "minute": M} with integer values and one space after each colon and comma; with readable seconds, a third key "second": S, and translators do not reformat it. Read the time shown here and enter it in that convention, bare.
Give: {"hour": 3, "minute": 33}
